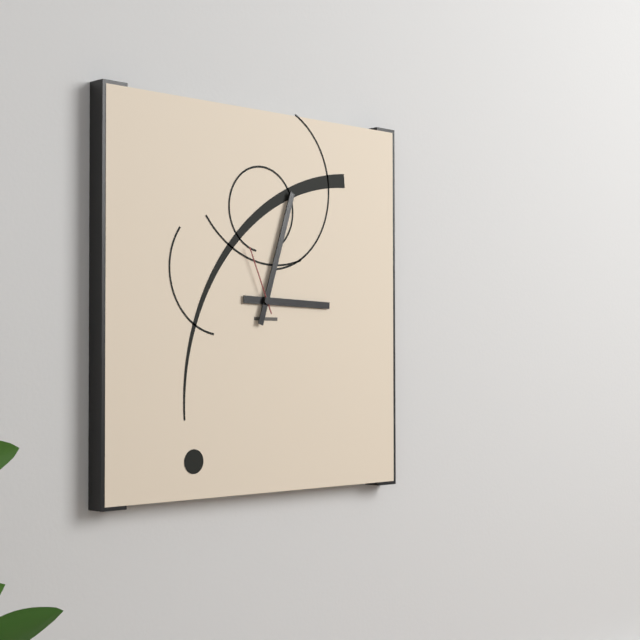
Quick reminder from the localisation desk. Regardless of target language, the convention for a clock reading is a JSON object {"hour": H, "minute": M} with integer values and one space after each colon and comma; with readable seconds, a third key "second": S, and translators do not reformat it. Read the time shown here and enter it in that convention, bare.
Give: {"hour": 3, "minute": 3, "second": 56}
